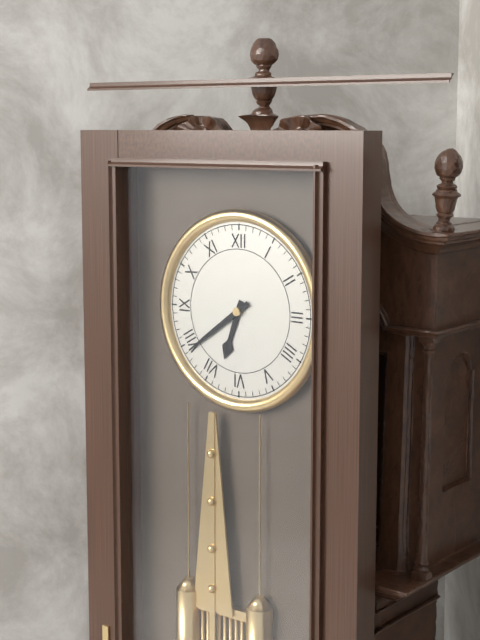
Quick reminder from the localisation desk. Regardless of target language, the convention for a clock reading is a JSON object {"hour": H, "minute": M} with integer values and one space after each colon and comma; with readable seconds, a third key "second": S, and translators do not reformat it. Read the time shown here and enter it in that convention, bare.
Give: {"hour": 6, "minute": 39}
